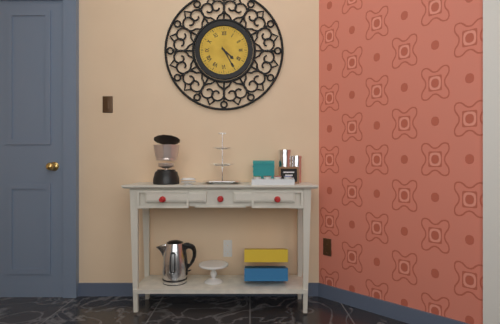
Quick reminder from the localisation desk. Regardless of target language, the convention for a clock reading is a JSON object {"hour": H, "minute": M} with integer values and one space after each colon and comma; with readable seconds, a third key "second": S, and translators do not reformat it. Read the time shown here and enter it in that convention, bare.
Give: {"hour": 4, "minute": 25}
